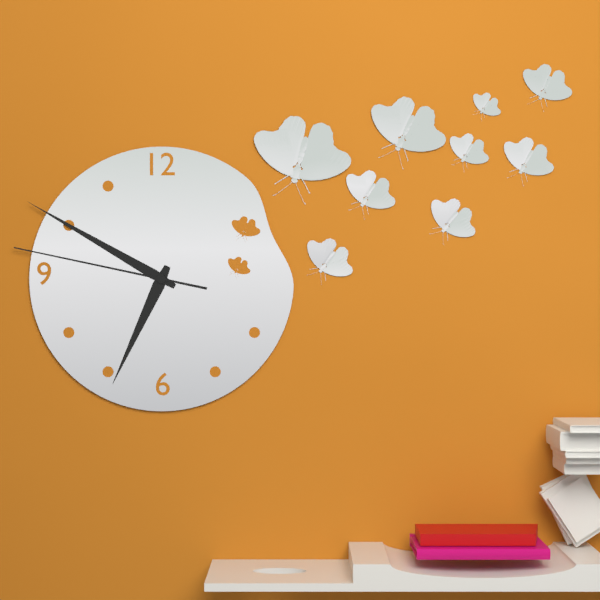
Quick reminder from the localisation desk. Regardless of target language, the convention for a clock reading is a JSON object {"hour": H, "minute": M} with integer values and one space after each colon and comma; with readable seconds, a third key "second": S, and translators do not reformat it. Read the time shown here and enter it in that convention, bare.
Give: {"hour": 6, "minute": 50, "second": 47}
